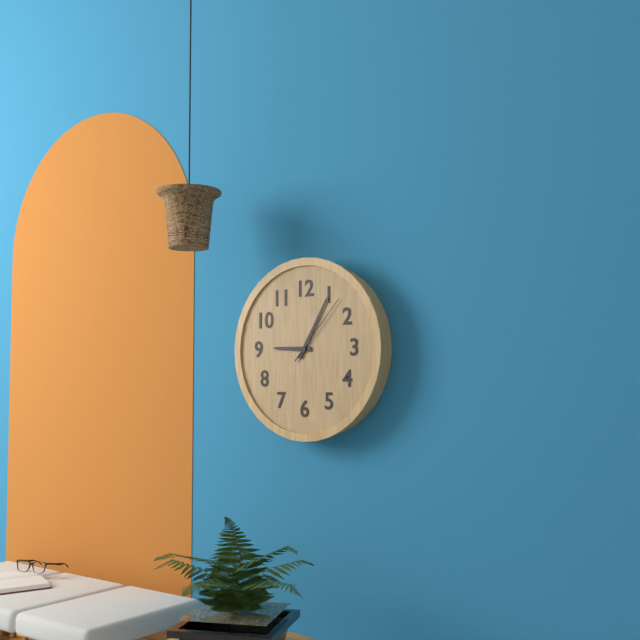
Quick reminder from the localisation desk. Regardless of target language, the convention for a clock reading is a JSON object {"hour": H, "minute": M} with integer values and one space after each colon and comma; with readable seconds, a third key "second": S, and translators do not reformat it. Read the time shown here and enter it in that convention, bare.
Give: {"hour": 9, "minute": 5, "second": 7}
